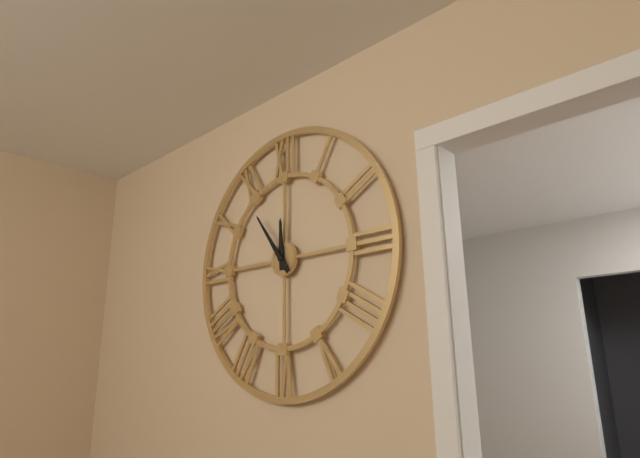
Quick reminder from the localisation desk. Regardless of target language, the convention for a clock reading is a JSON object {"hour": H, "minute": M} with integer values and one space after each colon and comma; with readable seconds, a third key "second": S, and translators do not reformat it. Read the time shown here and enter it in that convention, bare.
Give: {"hour": 11, "minute": 54}
